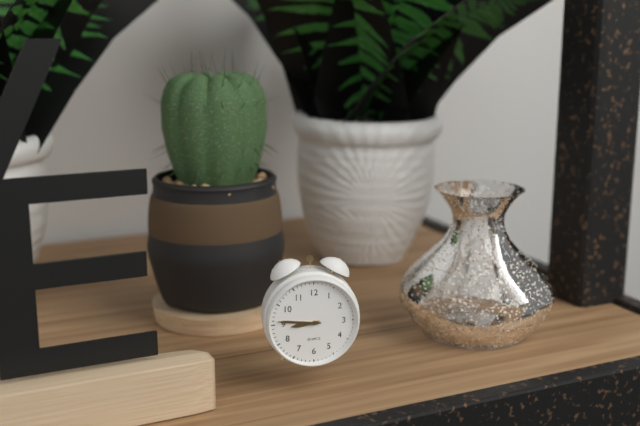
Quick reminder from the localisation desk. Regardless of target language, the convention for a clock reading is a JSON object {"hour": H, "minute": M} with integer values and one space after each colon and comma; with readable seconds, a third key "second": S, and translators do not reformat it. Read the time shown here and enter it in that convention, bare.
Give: {"hour": 8, "minute": 46}
